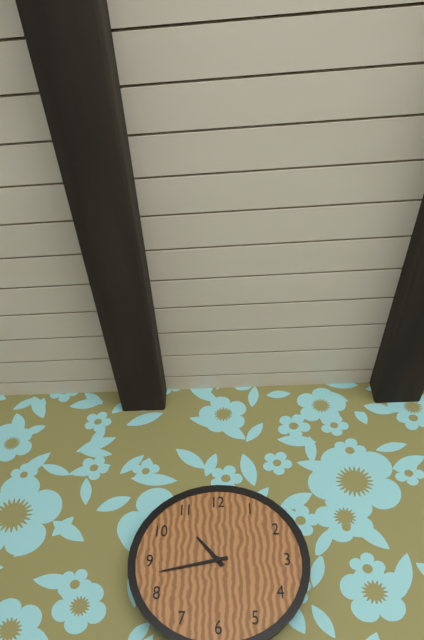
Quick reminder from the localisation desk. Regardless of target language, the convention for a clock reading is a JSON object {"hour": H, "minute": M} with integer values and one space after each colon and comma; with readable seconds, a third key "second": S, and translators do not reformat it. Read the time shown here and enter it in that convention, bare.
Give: {"hour": 10, "minute": 43}
